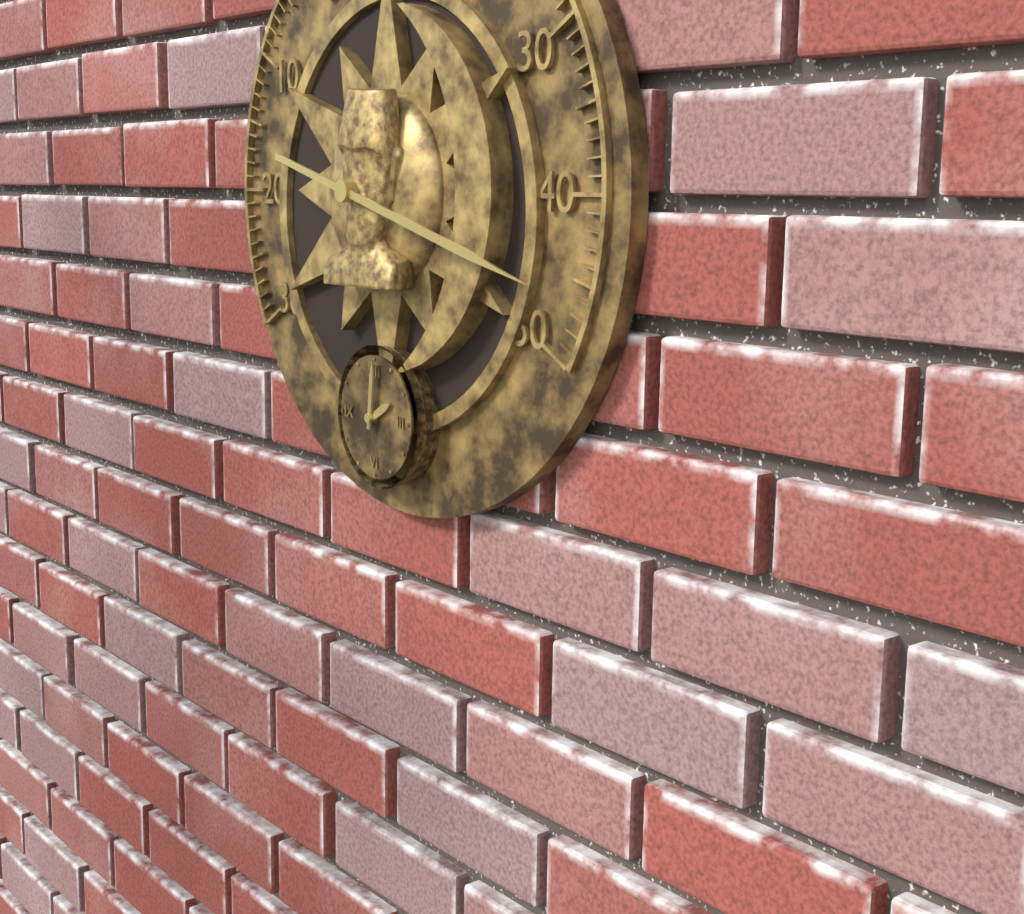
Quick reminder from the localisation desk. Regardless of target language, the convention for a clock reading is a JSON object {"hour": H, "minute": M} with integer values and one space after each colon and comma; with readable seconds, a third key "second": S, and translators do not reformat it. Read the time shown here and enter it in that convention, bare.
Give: {"hour": 2, "minute": 1}
